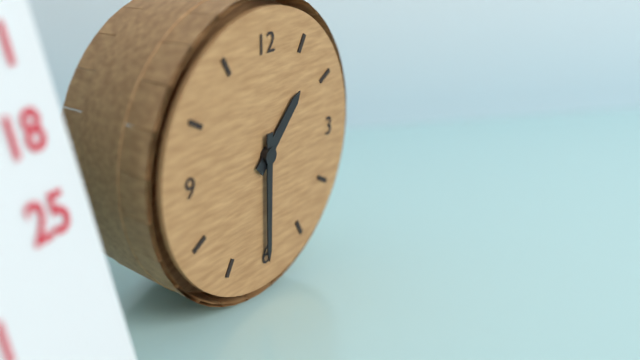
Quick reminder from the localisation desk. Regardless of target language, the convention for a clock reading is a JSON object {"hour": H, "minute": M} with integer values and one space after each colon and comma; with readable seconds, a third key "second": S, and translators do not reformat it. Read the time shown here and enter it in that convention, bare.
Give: {"hour": 1, "minute": 30}
